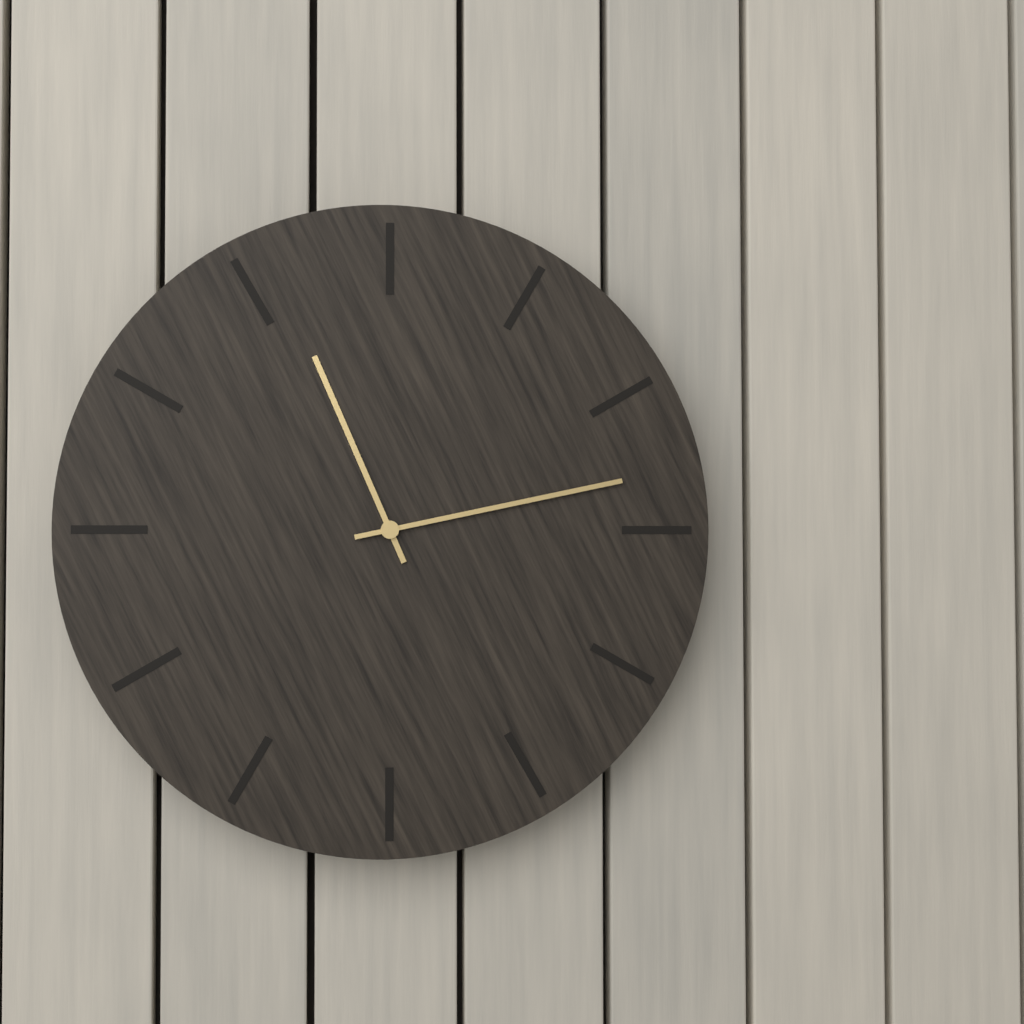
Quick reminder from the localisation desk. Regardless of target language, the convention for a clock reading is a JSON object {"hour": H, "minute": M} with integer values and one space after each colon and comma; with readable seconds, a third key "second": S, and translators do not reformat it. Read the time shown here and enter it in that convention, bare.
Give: {"hour": 11, "minute": 13}
